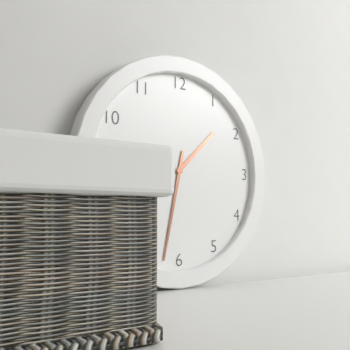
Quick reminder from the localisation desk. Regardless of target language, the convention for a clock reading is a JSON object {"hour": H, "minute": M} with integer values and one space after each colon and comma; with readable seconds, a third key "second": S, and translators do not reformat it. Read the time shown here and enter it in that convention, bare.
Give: {"hour": 1, "minute": 32}
